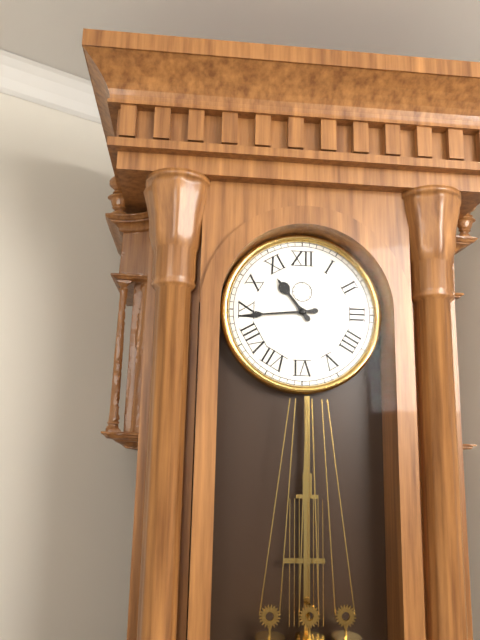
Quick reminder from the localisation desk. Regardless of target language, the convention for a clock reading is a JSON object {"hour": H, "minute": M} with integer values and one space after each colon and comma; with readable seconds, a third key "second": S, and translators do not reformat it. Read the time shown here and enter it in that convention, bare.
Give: {"hour": 10, "minute": 44}
